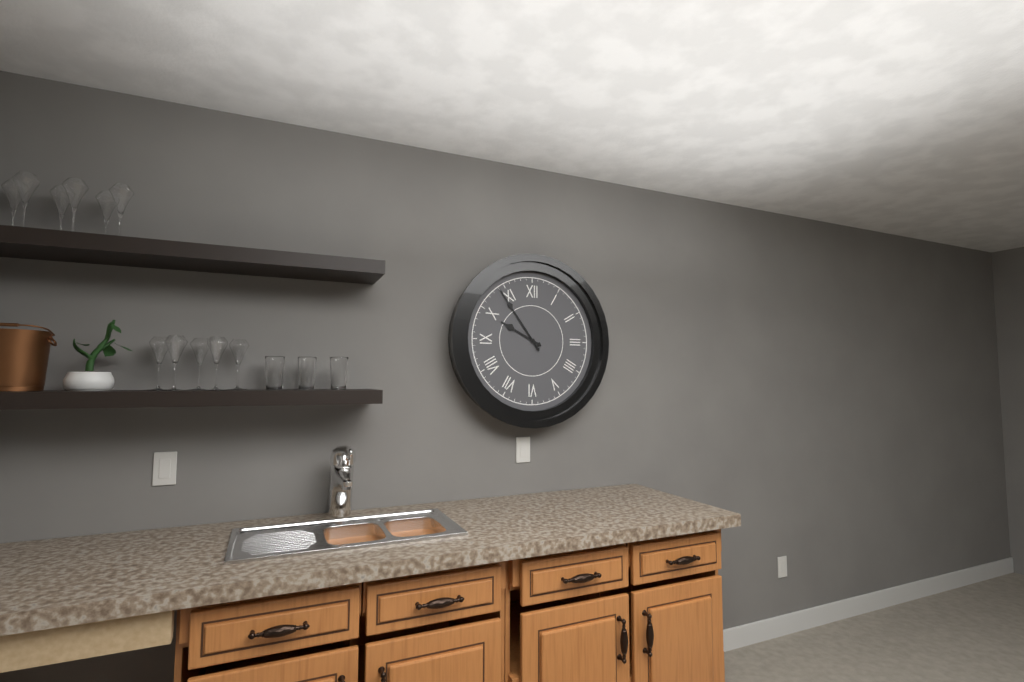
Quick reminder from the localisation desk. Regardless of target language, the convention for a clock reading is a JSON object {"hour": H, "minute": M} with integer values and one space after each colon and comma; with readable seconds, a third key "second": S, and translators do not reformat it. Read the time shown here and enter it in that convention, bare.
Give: {"hour": 9, "minute": 54}
